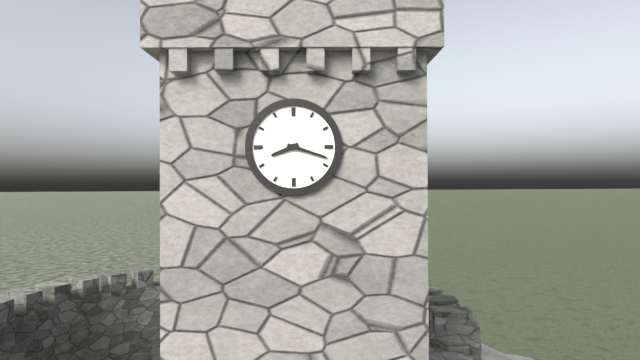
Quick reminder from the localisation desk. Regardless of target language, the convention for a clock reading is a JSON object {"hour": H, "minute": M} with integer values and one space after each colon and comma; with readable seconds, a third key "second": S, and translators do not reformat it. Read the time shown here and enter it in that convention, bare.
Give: {"hour": 8, "minute": 18}
